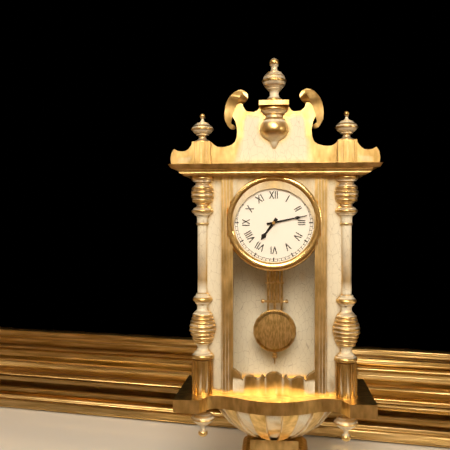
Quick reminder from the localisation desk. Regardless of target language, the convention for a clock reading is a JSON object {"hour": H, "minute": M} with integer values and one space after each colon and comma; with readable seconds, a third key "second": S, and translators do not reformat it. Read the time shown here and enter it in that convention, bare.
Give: {"hour": 7, "minute": 13}
